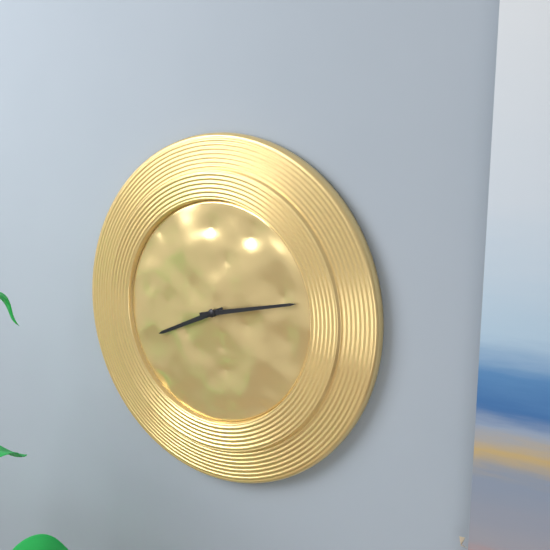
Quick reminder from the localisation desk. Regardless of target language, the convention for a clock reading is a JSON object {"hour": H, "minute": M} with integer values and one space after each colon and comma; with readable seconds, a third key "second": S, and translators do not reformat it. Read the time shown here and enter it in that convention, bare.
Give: {"hour": 8, "minute": 13}
